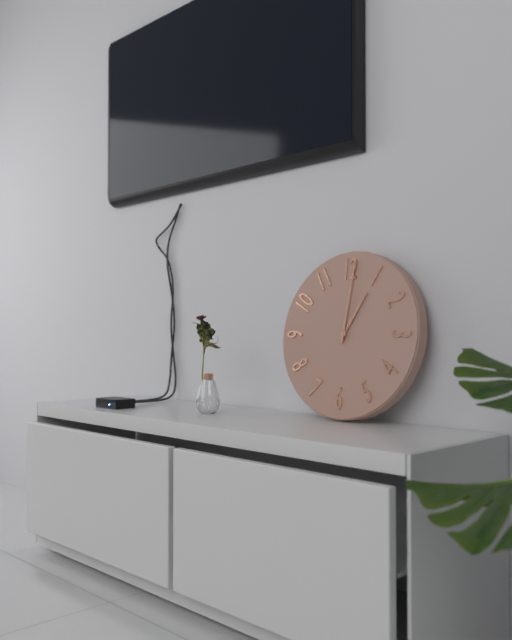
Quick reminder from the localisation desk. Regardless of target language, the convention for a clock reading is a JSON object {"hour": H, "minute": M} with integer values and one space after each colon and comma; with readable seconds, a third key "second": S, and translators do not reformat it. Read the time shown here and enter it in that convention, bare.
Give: {"hour": 1, "minute": 1}
